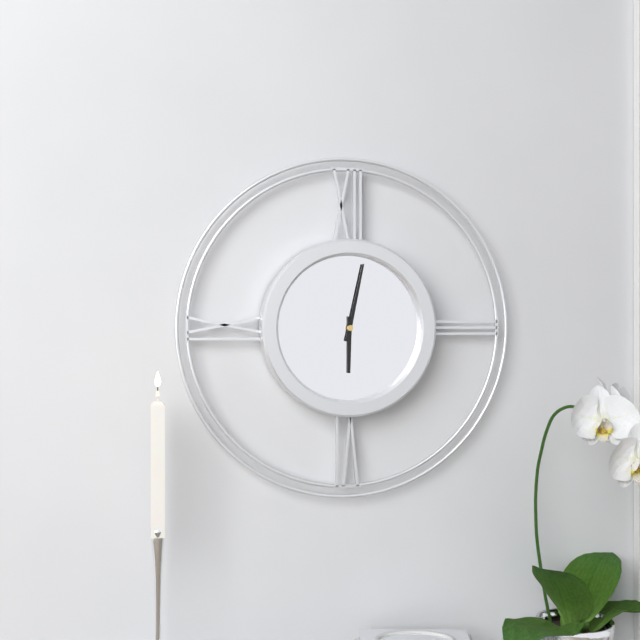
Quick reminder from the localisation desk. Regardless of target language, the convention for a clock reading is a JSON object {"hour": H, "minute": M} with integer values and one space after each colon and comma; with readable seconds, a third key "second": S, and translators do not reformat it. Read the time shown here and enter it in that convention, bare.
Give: {"hour": 6, "minute": 2}
